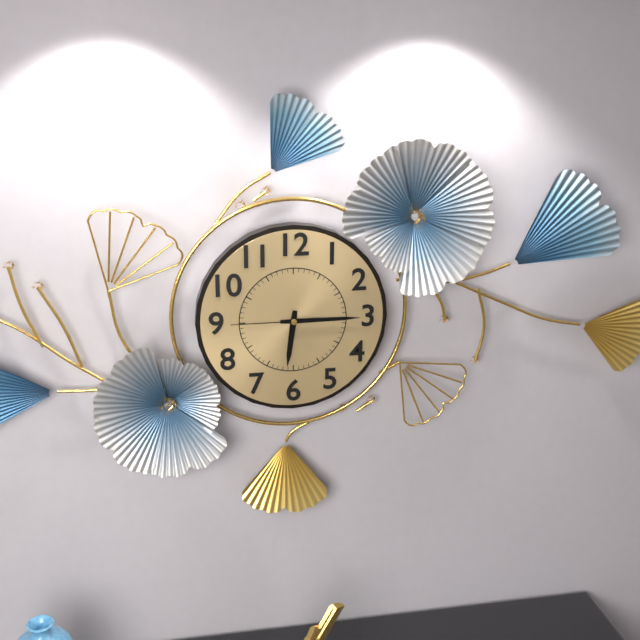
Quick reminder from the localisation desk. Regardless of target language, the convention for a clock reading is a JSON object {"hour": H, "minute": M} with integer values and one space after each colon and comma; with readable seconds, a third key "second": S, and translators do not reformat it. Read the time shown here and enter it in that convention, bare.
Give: {"hour": 6, "minute": 15, "second": 45}
